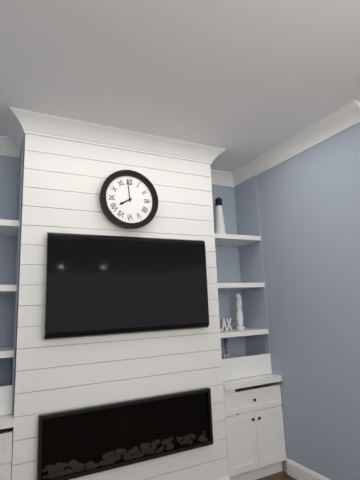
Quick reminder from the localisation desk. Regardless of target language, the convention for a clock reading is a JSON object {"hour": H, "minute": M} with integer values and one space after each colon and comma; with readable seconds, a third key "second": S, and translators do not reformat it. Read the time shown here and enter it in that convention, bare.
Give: {"hour": 7, "minute": 59}
